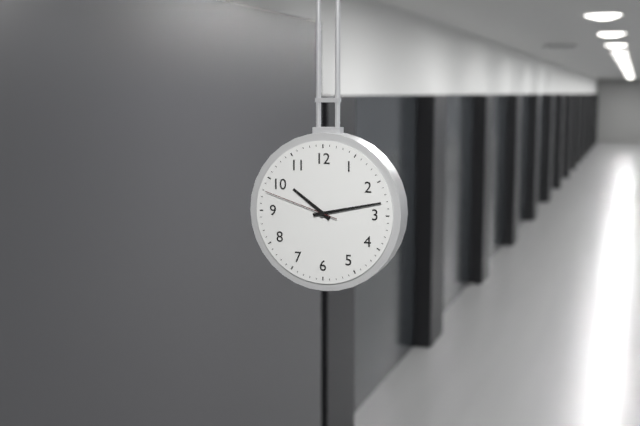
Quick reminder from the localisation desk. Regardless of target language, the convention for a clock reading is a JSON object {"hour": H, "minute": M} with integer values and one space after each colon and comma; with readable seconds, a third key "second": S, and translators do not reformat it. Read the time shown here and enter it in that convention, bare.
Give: {"hour": 10, "minute": 13, "second": 48}
